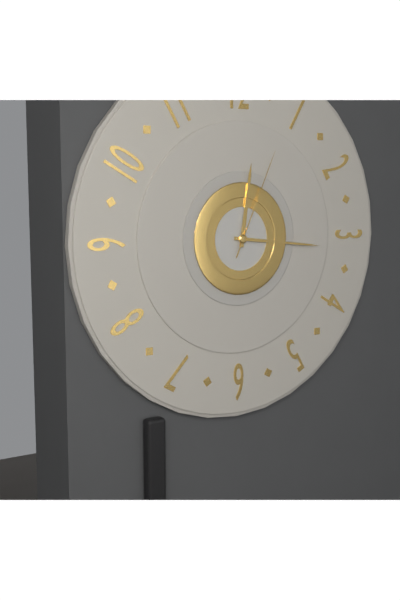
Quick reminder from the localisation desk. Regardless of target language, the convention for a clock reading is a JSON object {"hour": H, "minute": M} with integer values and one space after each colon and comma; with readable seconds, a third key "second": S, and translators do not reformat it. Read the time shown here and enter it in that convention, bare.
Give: {"hour": 12, "minute": 16, "second": 4}
